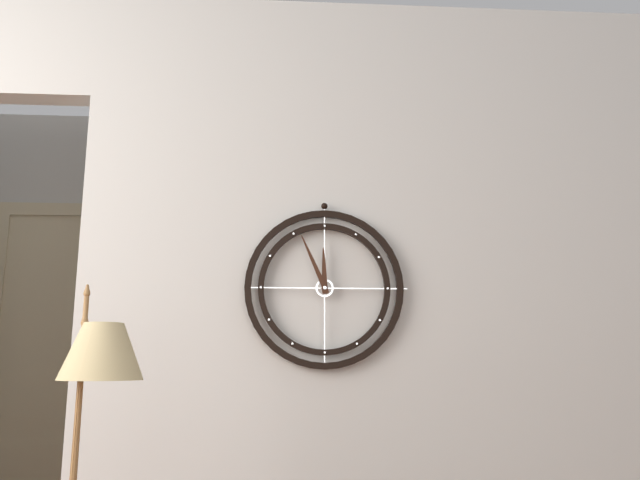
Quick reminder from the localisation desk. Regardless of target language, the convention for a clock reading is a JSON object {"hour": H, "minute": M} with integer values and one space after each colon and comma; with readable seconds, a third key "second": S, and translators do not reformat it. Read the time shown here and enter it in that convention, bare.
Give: {"hour": 11, "minute": 56}
